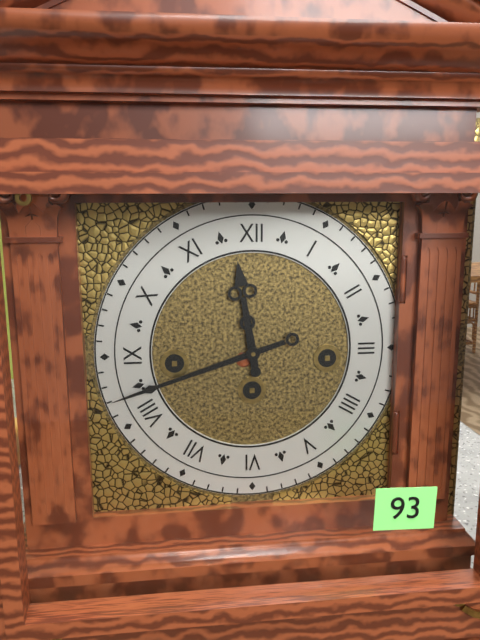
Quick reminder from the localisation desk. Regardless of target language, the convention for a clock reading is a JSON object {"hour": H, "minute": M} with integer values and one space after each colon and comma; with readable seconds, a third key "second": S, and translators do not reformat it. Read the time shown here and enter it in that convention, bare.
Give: {"hour": 11, "minute": 42}
